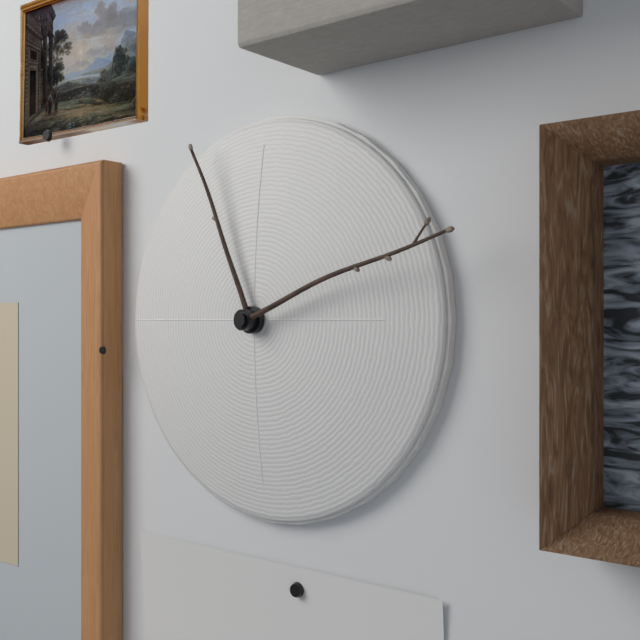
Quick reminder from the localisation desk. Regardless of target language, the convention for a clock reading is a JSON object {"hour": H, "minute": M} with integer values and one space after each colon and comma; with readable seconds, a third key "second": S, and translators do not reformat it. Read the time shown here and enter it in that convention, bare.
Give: {"hour": 11, "minute": 12}
